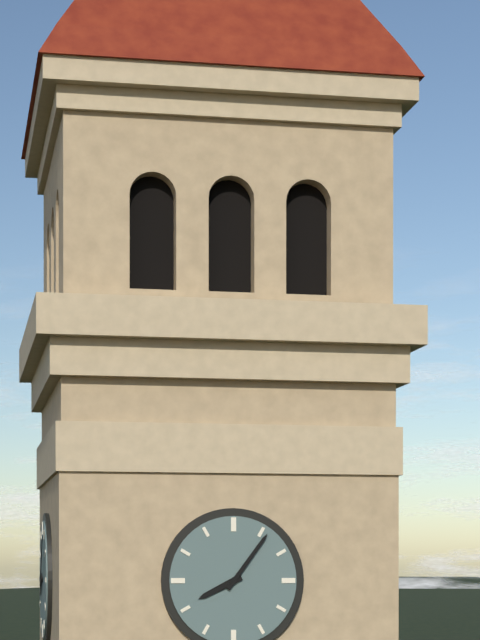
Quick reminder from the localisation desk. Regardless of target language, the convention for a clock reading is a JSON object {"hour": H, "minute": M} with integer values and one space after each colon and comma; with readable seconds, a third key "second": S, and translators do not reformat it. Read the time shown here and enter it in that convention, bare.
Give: {"hour": 8, "minute": 6}
